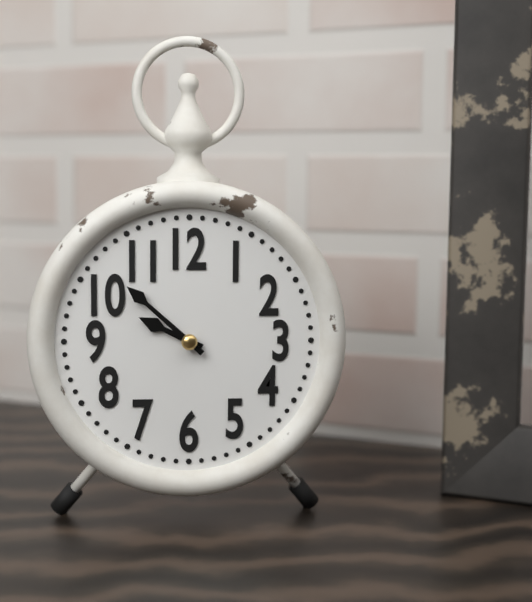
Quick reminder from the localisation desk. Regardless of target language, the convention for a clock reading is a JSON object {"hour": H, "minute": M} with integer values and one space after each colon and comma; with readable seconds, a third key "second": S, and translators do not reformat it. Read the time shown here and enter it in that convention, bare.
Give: {"hour": 9, "minute": 52}
